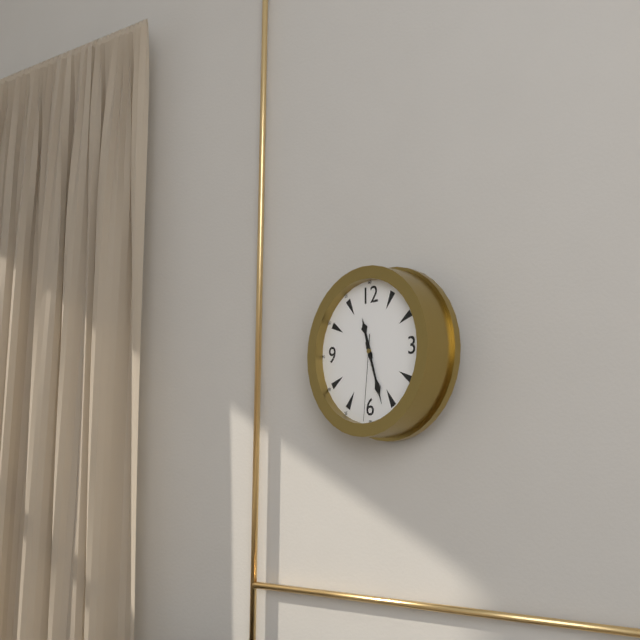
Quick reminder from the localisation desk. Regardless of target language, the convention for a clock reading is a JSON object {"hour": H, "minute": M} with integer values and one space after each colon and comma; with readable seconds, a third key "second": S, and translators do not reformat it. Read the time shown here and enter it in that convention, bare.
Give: {"hour": 11, "minute": 27, "second": 31}
